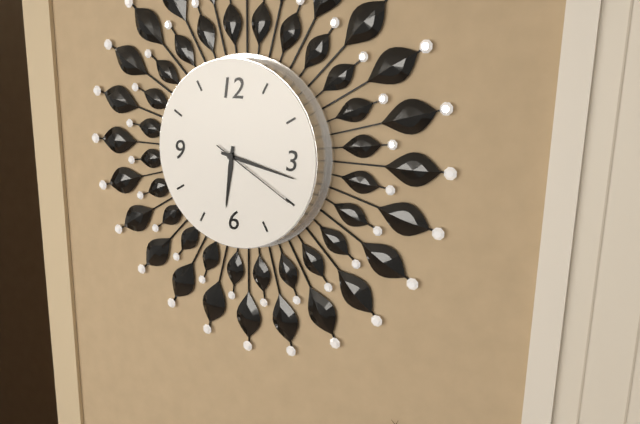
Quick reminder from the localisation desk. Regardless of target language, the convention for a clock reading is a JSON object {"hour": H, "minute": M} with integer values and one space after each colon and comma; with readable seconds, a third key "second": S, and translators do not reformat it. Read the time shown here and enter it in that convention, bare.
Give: {"hour": 6, "minute": 17, "second": 20}
